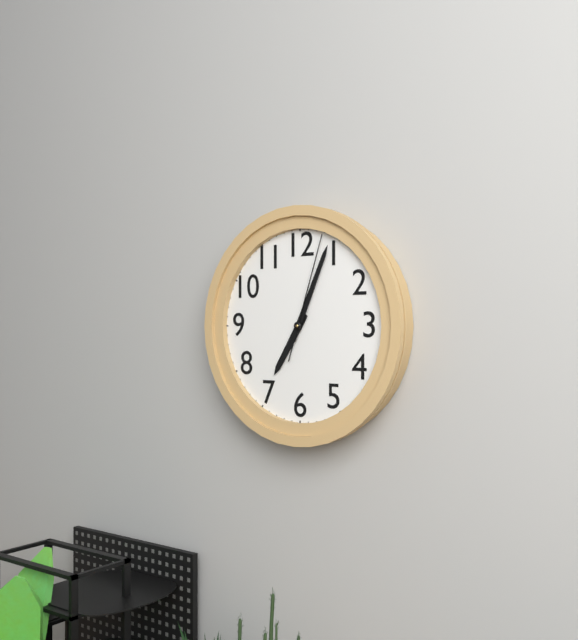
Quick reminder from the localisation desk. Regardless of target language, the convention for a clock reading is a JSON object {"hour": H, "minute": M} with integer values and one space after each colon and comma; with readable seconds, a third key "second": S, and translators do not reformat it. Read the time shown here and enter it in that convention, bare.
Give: {"hour": 7, "minute": 4, "second": 3}
